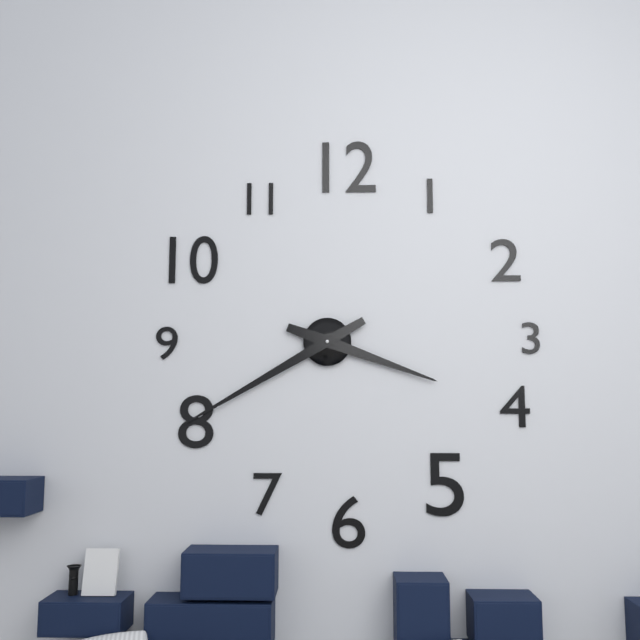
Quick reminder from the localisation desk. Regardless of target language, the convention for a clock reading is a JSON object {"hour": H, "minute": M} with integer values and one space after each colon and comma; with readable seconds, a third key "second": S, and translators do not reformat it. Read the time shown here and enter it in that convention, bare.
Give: {"hour": 3, "minute": 40}
